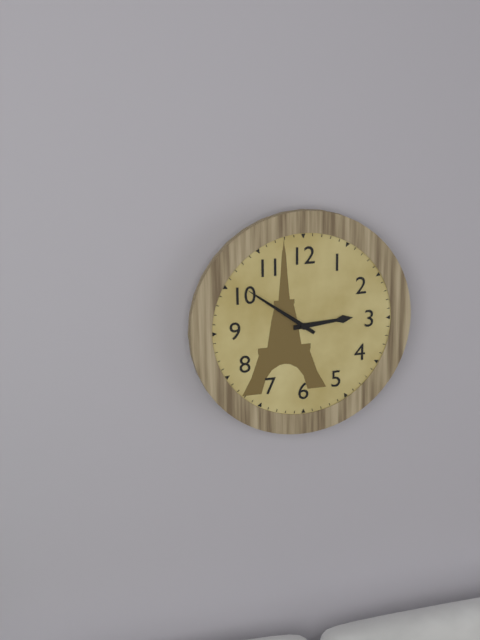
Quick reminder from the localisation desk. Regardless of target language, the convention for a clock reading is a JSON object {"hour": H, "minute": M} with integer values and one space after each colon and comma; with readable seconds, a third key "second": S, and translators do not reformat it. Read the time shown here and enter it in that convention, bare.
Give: {"hour": 2, "minute": 51}
